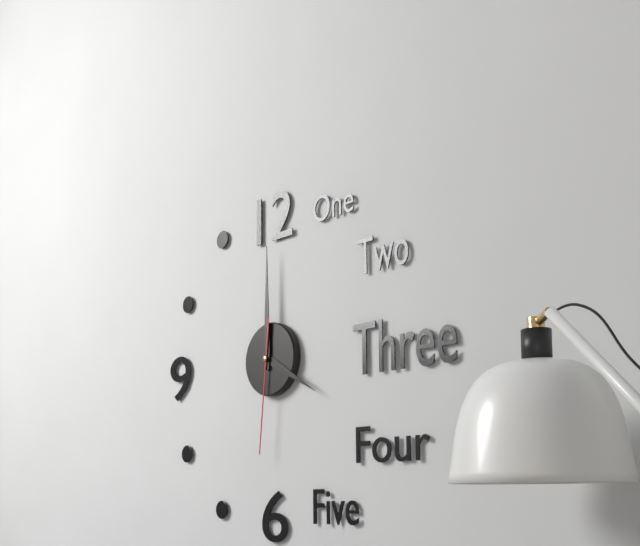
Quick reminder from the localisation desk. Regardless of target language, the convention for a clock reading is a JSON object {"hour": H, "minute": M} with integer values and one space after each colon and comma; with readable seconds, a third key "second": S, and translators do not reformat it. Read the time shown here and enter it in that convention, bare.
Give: {"hour": 4, "minute": 0, "second": 31}
